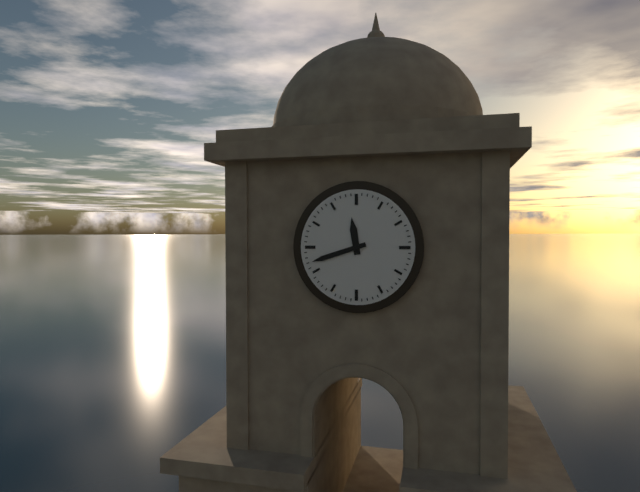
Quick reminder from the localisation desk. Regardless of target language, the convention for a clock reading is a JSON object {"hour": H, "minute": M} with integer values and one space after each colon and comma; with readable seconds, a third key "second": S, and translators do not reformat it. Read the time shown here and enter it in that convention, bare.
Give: {"hour": 11, "minute": 42}
